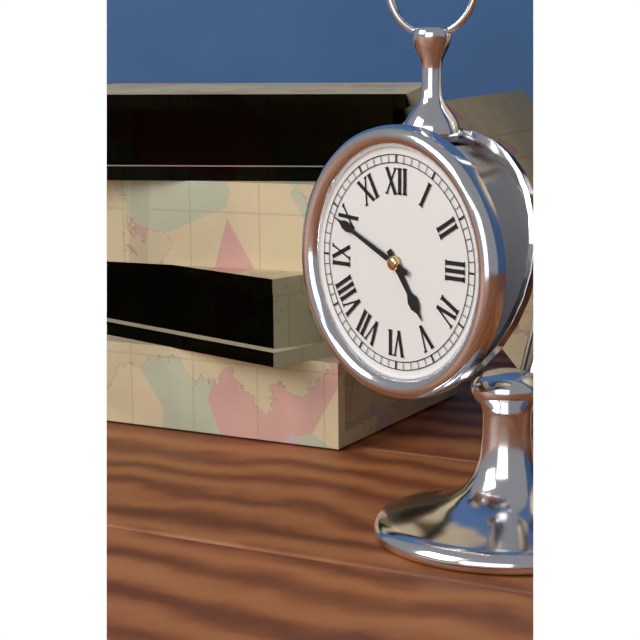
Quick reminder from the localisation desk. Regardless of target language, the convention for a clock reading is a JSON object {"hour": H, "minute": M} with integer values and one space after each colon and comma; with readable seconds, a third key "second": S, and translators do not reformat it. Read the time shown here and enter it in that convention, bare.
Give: {"hour": 4, "minute": 49}
